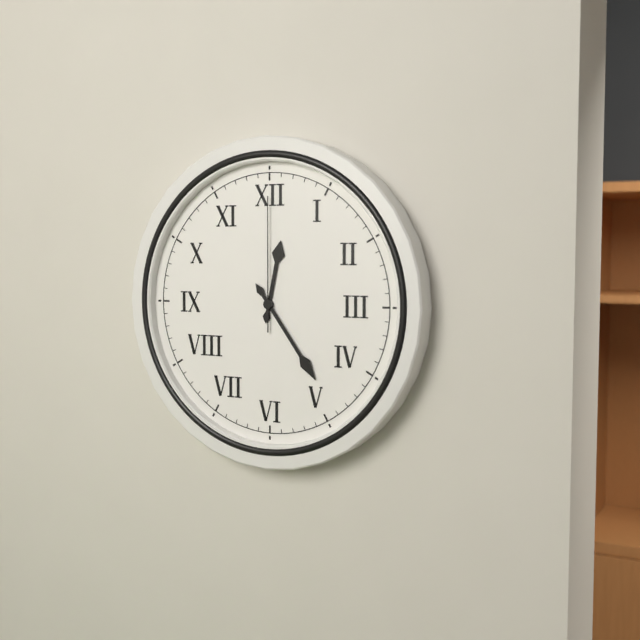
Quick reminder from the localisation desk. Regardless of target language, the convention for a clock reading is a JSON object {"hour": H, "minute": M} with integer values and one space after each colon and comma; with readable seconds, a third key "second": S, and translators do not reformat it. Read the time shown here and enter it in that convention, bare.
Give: {"hour": 12, "minute": 24, "second": 0}
